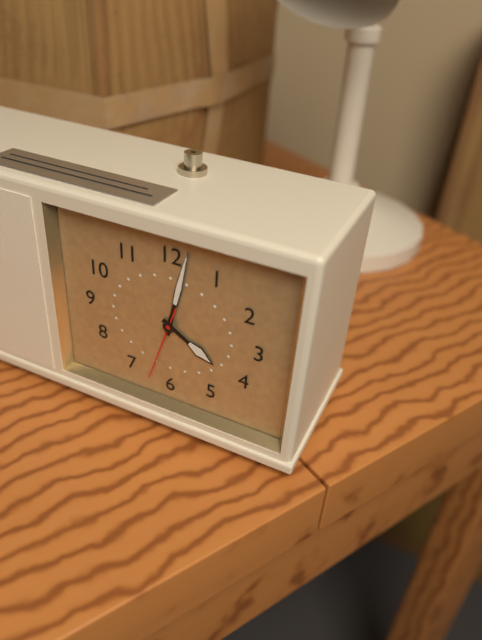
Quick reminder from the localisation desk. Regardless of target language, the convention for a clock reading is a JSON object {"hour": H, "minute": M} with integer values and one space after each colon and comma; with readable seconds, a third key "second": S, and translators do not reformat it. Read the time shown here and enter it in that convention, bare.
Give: {"hour": 4, "minute": 2, "second": 33}
